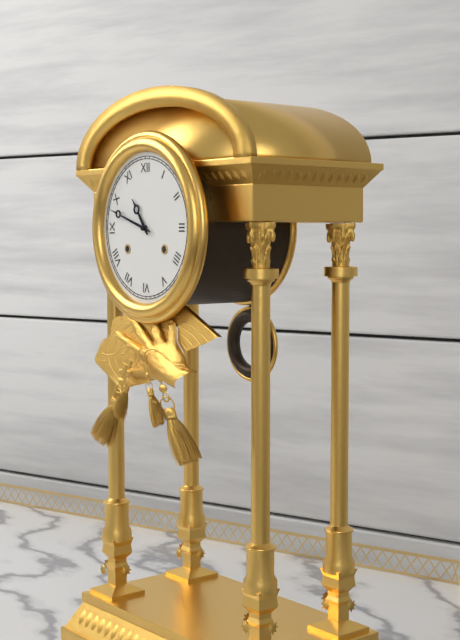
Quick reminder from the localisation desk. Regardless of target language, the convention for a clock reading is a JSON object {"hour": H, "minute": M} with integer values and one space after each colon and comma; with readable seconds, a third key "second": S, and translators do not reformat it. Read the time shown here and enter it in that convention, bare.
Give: {"hour": 10, "minute": 48}
